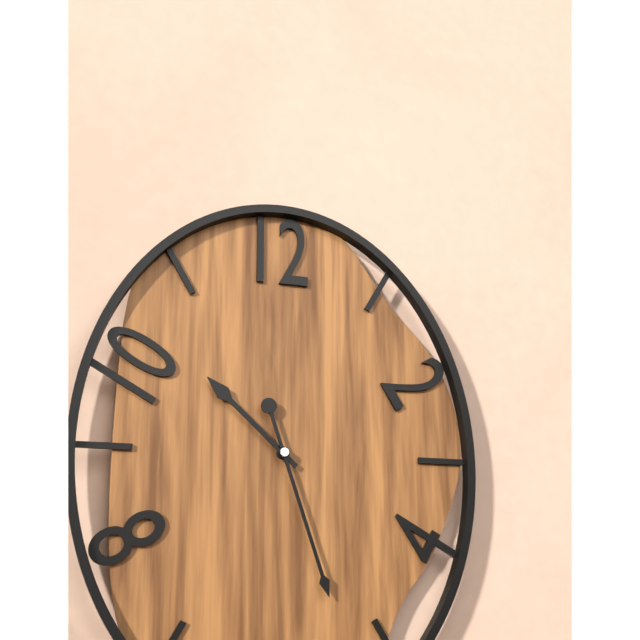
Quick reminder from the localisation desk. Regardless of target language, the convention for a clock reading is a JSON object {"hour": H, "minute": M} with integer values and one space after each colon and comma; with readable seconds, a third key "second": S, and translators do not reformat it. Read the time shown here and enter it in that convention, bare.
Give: {"hour": 10, "minute": 27}
